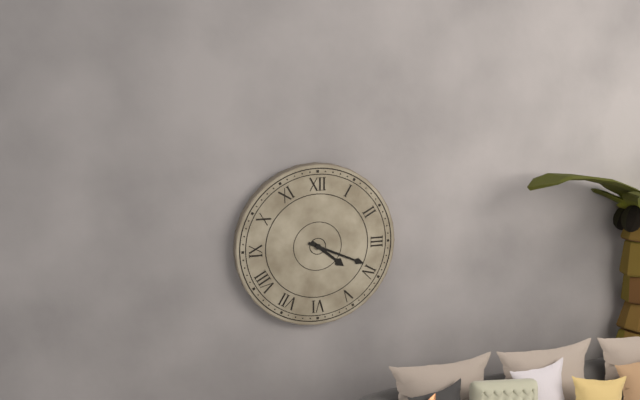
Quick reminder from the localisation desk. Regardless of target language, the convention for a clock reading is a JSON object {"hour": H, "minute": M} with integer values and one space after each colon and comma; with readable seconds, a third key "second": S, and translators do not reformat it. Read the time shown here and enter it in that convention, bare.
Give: {"hour": 4, "minute": 19}
